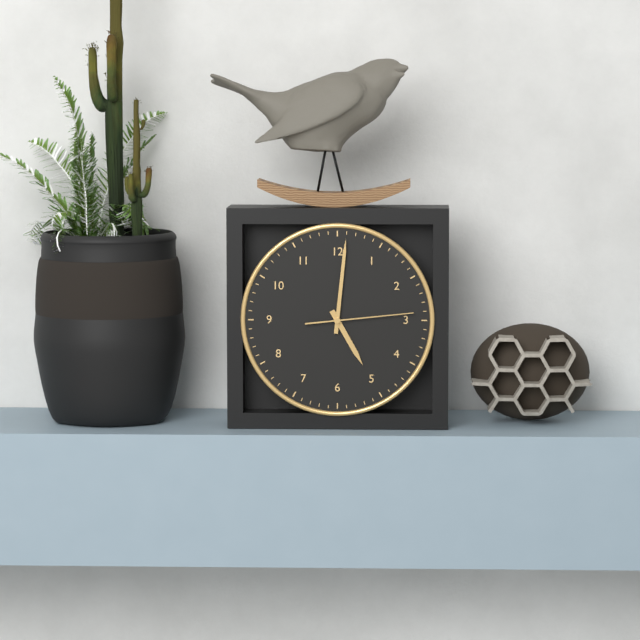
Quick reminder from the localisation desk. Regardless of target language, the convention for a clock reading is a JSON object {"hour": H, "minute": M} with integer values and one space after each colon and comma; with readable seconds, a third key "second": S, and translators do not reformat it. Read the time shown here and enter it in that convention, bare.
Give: {"hour": 5, "minute": 1, "second": 14}
